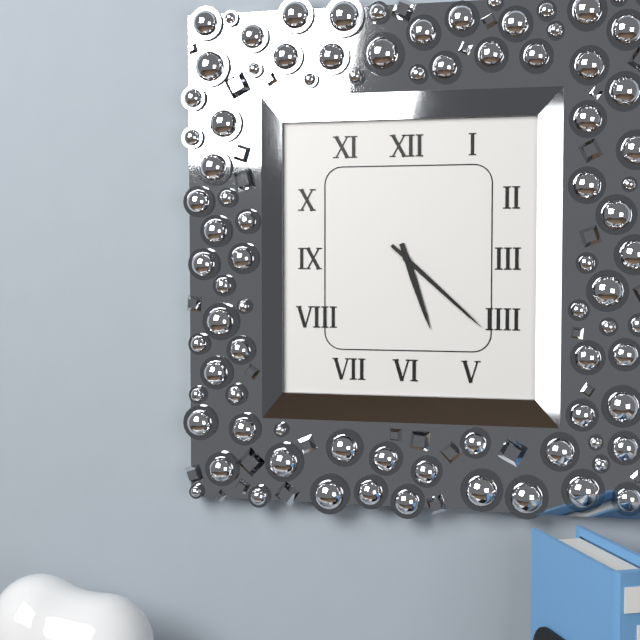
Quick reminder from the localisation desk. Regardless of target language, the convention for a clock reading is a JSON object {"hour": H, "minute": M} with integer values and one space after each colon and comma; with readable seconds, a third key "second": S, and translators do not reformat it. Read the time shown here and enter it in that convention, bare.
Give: {"hour": 5, "minute": 22}
